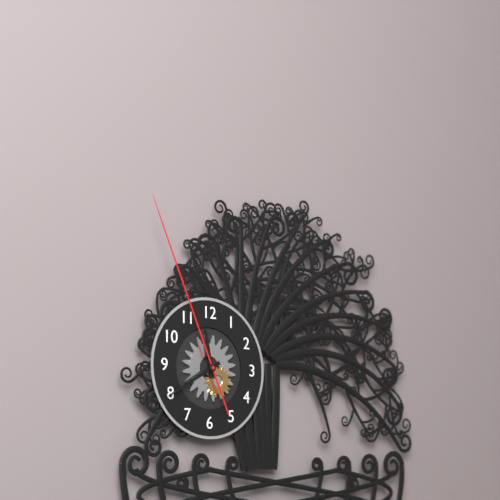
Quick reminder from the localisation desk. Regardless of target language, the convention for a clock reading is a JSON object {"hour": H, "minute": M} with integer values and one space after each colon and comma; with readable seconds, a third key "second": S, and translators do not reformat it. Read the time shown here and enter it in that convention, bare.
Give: {"hour": 11, "minute": 40, "second": 56}
